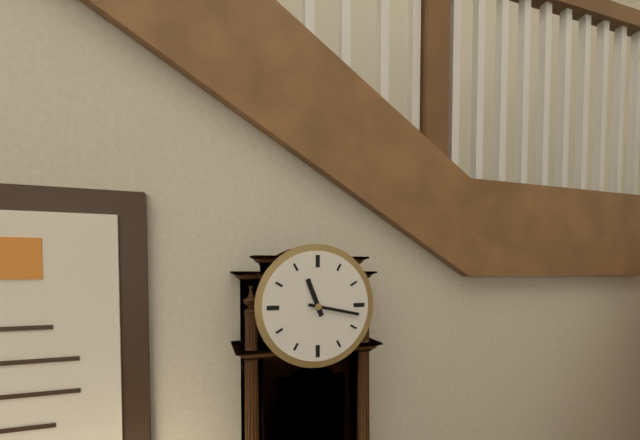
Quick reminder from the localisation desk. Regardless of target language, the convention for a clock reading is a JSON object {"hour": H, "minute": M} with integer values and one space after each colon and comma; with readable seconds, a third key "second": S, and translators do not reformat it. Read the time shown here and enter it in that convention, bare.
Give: {"hour": 11, "minute": 17}
